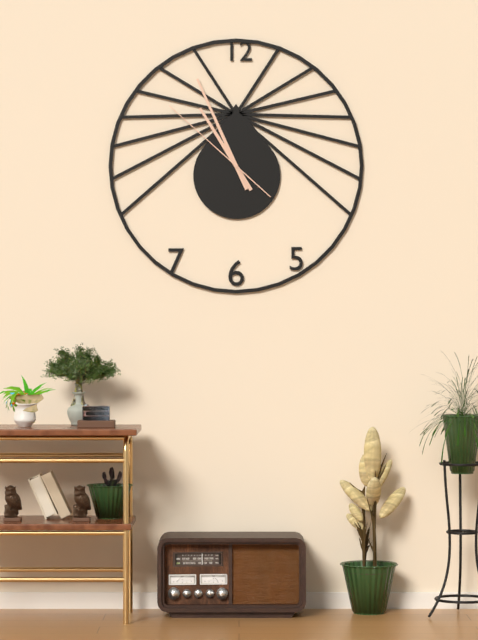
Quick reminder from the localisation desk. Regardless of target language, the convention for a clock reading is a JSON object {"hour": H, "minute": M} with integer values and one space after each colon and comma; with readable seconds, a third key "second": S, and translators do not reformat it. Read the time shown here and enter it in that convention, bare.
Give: {"hour": 10, "minute": 56, "second": 52}
